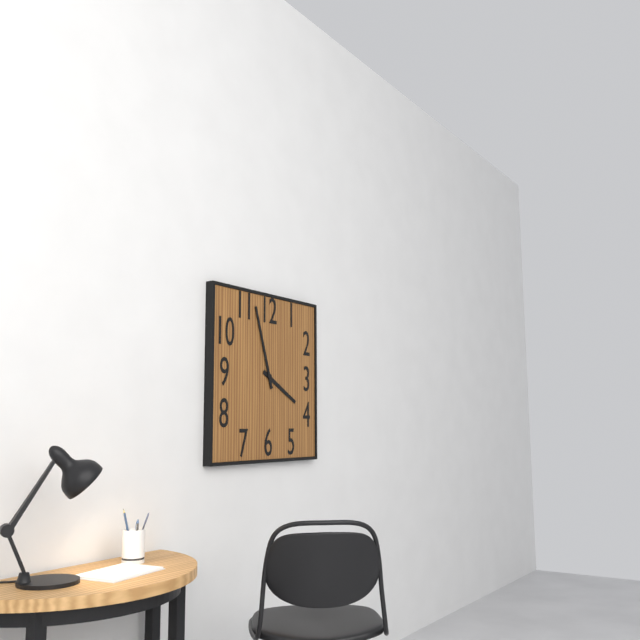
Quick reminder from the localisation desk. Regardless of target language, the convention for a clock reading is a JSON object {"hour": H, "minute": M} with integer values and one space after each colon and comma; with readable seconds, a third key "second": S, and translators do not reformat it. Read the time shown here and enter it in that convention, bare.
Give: {"hour": 3, "minute": 57}
